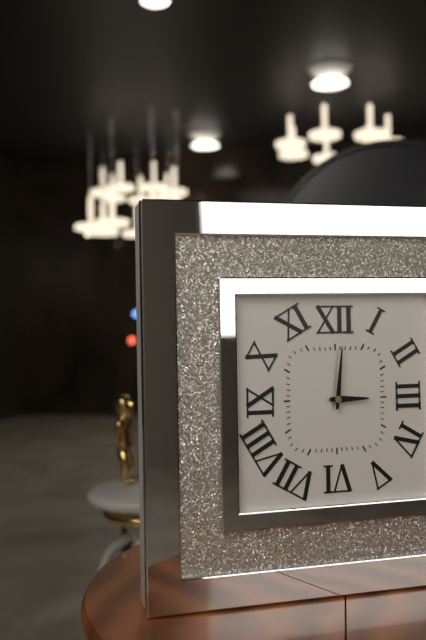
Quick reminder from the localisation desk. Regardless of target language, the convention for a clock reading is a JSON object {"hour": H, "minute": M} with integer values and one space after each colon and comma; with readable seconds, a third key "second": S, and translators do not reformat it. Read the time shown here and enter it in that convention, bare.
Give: {"hour": 3, "minute": 1}
